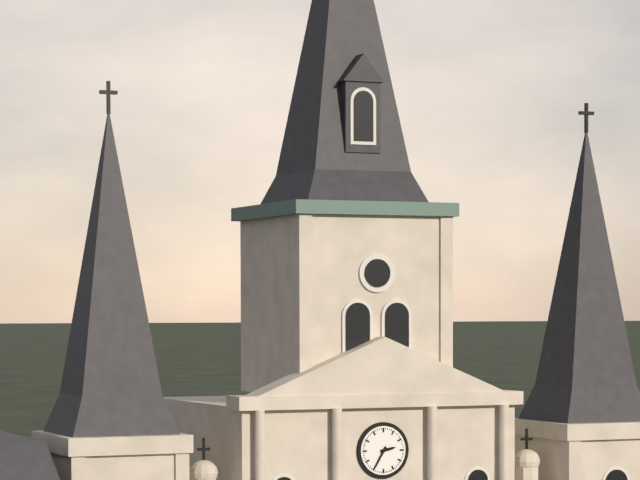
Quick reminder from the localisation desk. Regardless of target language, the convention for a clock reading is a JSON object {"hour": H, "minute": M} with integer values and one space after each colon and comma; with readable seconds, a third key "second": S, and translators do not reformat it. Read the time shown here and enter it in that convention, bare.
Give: {"hour": 2, "minute": 35}
